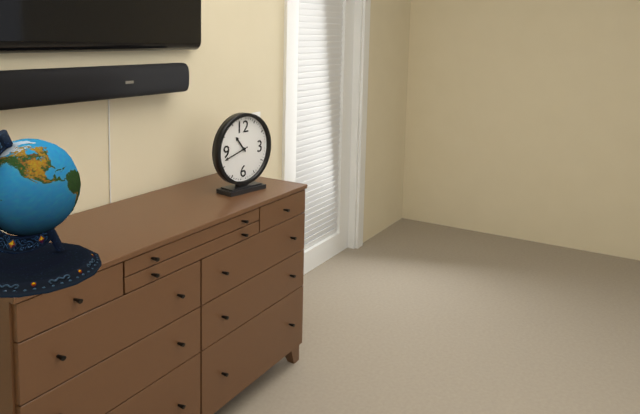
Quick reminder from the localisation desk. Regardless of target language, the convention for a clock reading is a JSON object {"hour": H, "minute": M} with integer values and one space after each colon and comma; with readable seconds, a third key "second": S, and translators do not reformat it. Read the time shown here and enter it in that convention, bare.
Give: {"hour": 10, "minute": 42}
